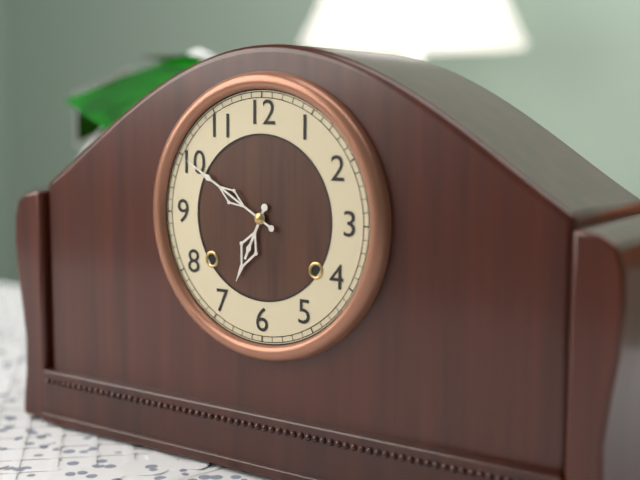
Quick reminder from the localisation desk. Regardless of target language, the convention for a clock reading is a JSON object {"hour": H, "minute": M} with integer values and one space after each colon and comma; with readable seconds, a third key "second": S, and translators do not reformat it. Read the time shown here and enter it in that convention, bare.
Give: {"hour": 6, "minute": 50}
